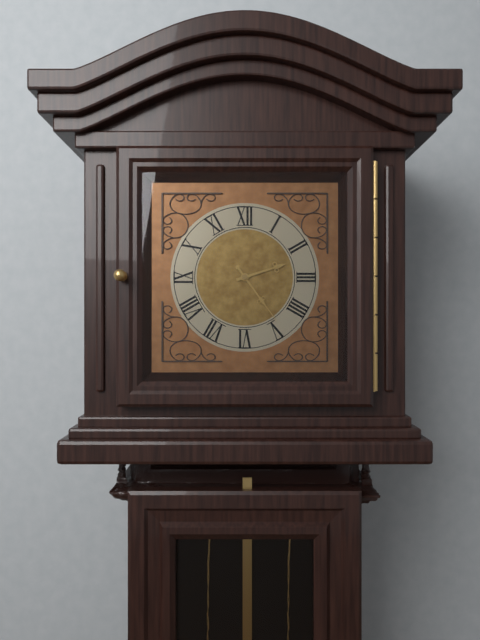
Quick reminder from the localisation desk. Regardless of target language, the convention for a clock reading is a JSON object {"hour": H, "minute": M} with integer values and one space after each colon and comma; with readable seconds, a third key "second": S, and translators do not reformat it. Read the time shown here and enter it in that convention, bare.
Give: {"hour": 2, "minute": 24}
